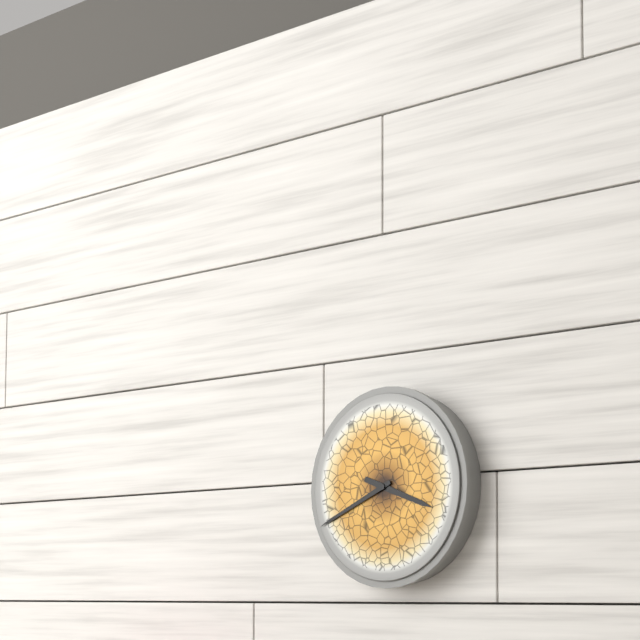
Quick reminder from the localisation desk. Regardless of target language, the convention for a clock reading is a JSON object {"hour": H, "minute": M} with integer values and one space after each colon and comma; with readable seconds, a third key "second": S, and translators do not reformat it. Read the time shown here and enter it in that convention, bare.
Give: {"hour": 3, "minute": 41}
